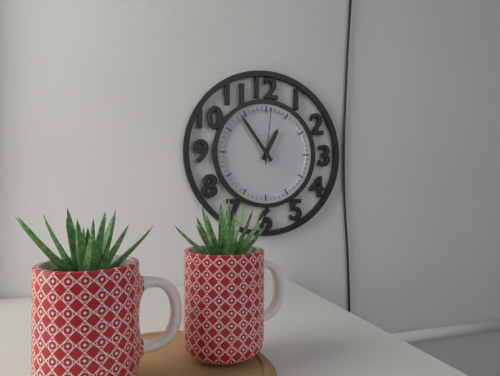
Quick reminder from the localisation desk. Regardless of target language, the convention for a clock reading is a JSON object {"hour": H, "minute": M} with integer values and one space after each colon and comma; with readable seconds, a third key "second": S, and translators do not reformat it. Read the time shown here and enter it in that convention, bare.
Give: {"hour": 12, "minute": 54, "second": 1}
